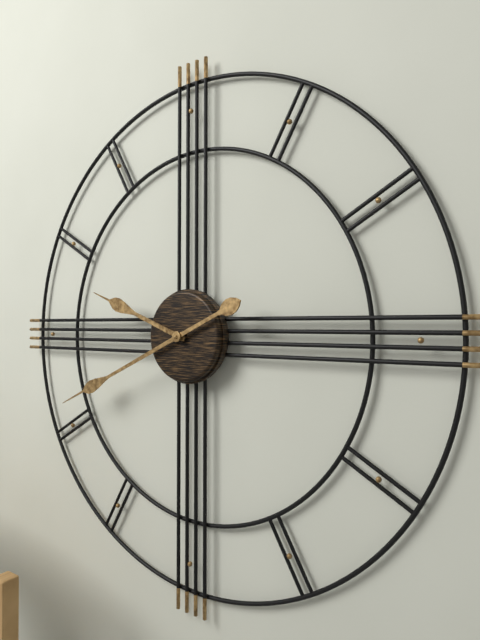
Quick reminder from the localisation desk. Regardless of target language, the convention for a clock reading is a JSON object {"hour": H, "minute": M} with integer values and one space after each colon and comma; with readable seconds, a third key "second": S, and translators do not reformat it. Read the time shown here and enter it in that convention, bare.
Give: {"hour": 9, "minute": 41}
